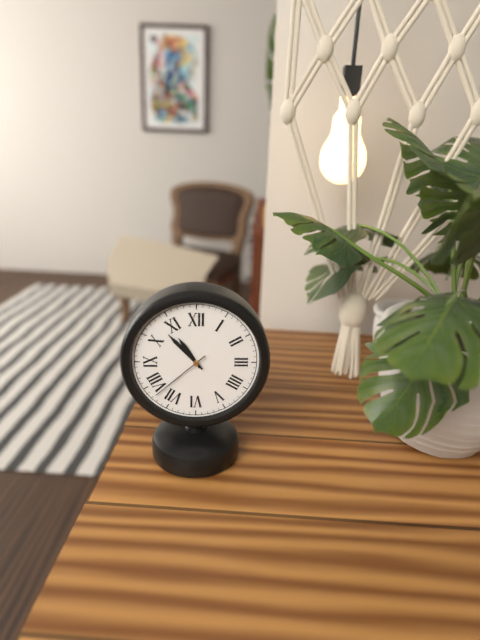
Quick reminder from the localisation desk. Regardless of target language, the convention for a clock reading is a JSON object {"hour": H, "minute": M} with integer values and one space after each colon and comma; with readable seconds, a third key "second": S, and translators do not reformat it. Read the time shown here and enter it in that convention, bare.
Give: {"hour": 10, "minute": 53, "second": 38}
